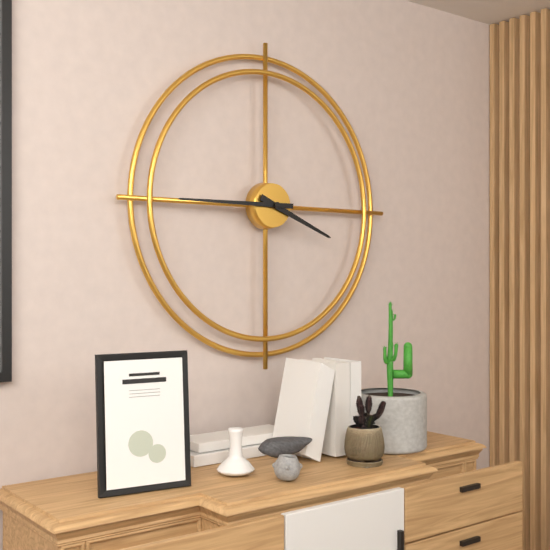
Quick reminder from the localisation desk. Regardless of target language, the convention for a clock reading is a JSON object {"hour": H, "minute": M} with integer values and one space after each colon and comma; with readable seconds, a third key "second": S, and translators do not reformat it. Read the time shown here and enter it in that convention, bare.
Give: {"hour": 3, "minute": 45}
